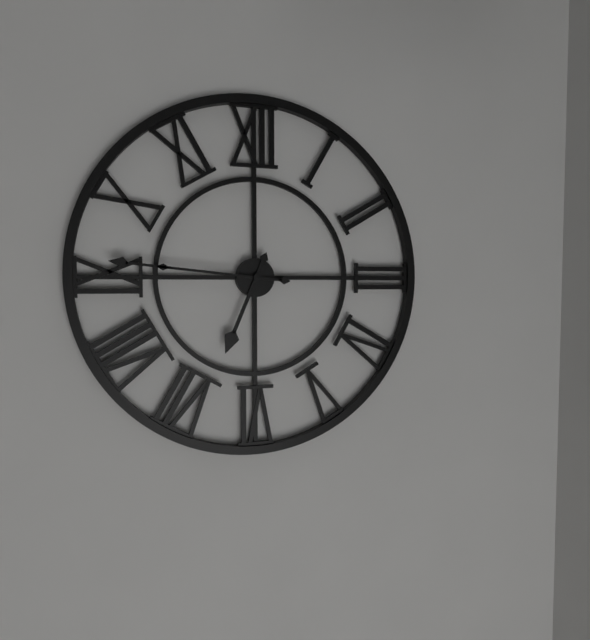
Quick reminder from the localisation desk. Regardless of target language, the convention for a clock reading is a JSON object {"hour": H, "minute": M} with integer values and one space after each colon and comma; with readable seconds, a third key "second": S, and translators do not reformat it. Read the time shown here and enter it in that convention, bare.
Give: {"hour": 6, "minute": 46}
